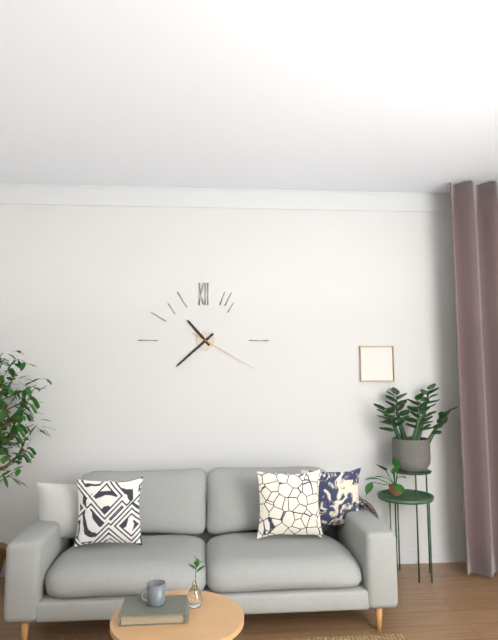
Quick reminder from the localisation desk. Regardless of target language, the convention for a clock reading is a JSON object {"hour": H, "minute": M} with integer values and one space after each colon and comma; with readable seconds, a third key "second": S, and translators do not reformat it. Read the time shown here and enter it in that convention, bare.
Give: {"hour": 10, "minute": 38, "second": 20}
